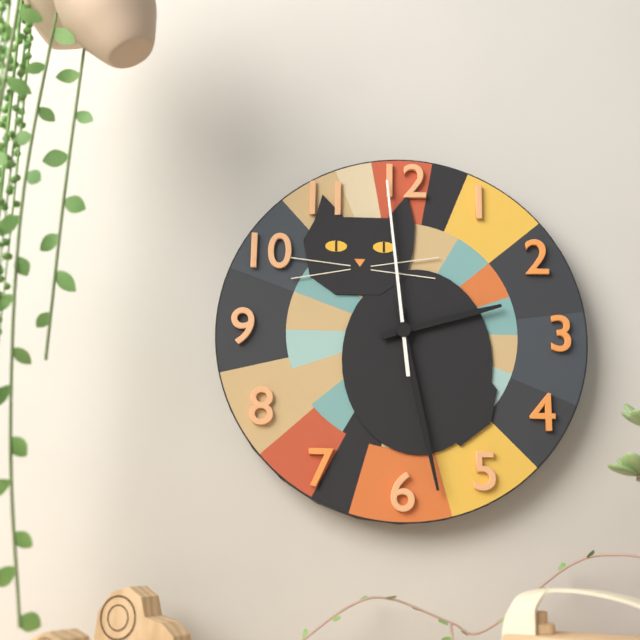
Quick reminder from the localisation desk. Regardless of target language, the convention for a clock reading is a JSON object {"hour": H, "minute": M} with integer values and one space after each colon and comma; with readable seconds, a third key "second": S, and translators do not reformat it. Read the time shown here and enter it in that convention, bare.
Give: {"hour": 2, "minute": 28, "second": 59}
